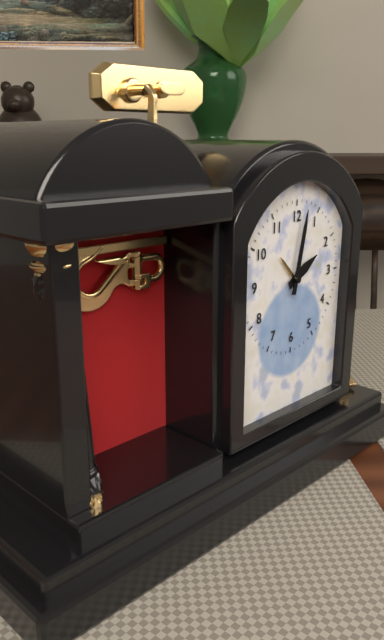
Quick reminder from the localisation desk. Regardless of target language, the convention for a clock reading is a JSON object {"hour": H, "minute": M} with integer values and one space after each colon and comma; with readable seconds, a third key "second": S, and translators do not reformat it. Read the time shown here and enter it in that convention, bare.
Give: {"hour": 2, "minute": 2}
